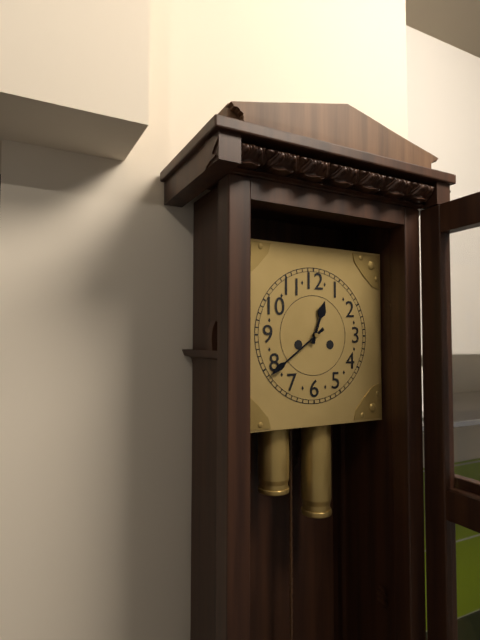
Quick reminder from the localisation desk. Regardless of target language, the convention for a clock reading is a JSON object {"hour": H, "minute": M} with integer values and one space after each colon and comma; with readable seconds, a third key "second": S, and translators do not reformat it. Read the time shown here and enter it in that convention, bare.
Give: {"hour": 12, "minute": 39}
